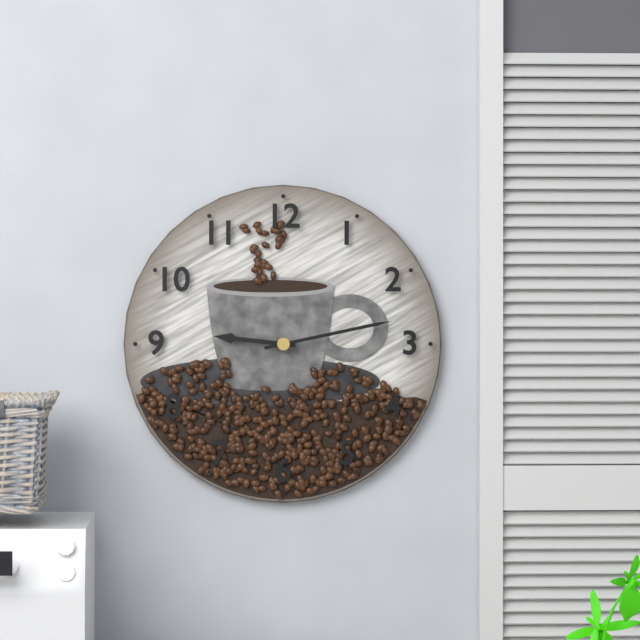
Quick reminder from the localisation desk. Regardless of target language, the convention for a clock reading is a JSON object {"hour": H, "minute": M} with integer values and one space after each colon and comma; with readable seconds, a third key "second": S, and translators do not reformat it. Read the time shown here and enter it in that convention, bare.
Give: {"hour": 9, "minute": 13}
